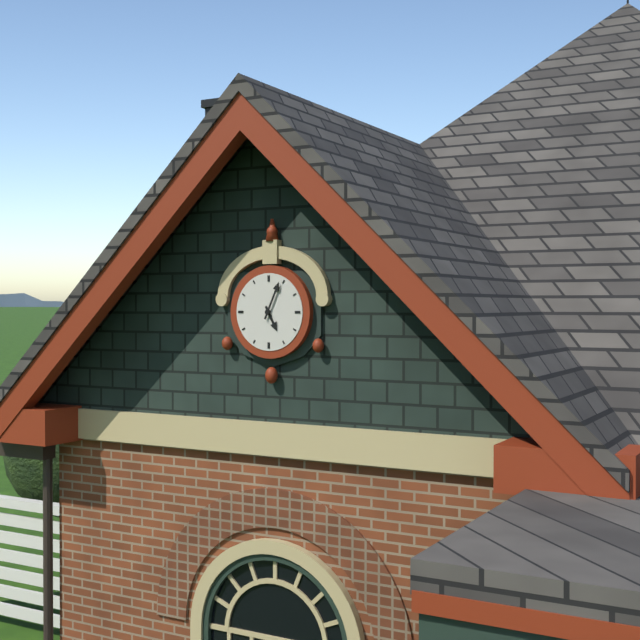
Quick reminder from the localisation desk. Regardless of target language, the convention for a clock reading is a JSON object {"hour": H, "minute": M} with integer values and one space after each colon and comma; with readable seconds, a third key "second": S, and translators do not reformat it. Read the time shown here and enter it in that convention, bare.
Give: {"hour": 5, "minute": 4}
